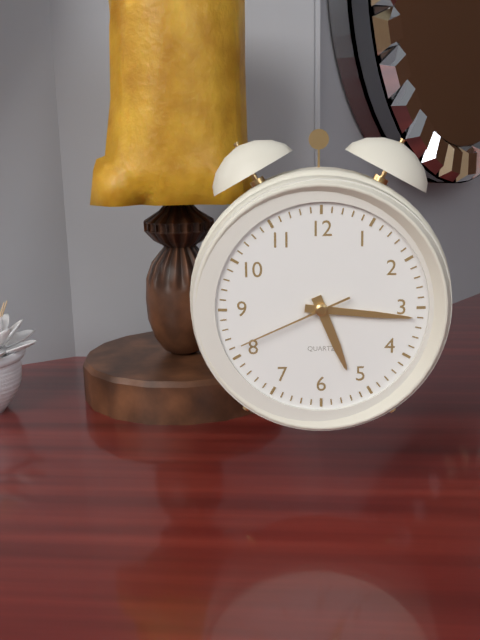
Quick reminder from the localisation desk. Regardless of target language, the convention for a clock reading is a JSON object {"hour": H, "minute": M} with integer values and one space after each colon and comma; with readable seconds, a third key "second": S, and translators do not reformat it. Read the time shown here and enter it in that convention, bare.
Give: {"hour": 5, "minute": 16, "second": 41}
